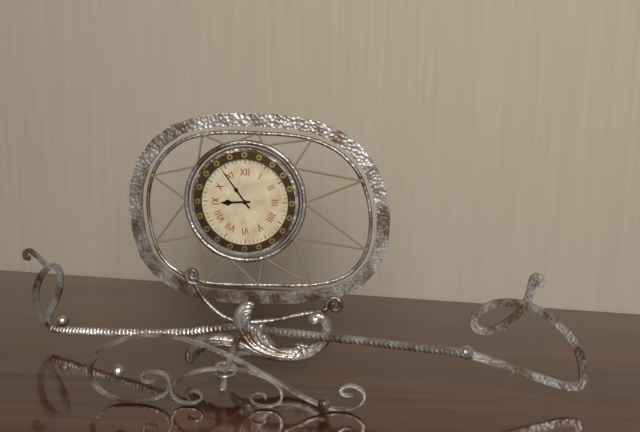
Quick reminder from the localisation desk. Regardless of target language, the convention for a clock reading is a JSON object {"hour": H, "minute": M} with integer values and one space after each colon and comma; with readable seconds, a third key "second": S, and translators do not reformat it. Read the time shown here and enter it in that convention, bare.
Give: {"hour": 8, "minute": 54}
